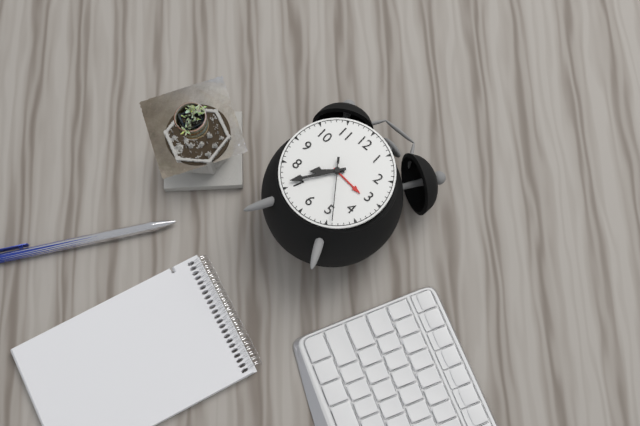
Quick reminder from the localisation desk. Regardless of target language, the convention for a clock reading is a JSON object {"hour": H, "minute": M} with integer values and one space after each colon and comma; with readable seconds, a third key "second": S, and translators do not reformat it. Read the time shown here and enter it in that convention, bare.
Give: {"hour": 7, "minute": 36, "second": 24}
